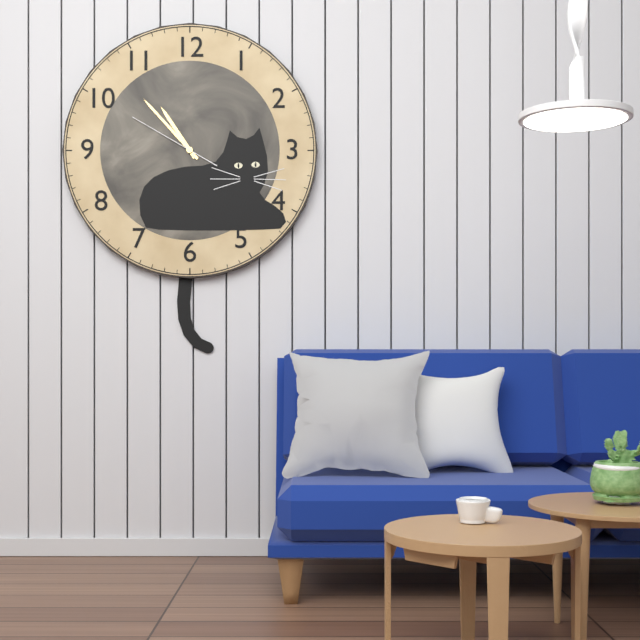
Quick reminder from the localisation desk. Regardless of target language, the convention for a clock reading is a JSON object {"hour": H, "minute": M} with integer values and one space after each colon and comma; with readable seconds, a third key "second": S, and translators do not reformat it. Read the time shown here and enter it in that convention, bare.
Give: {"hour": 10, "minute": 53, "second": 50}
